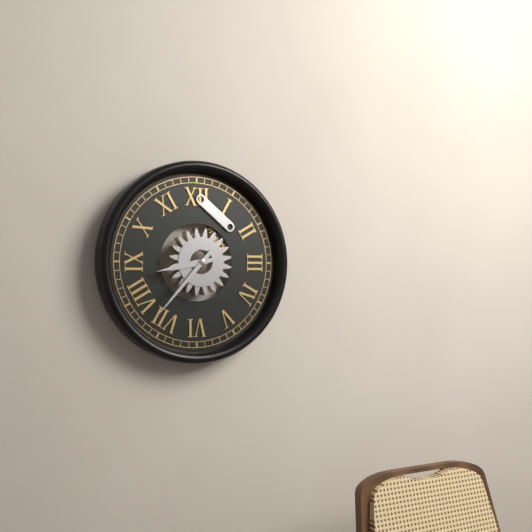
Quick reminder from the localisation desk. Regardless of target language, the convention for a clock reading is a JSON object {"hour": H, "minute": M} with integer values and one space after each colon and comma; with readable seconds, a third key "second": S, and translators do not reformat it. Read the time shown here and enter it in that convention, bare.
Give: {"hour": 8, "minute": 37}
